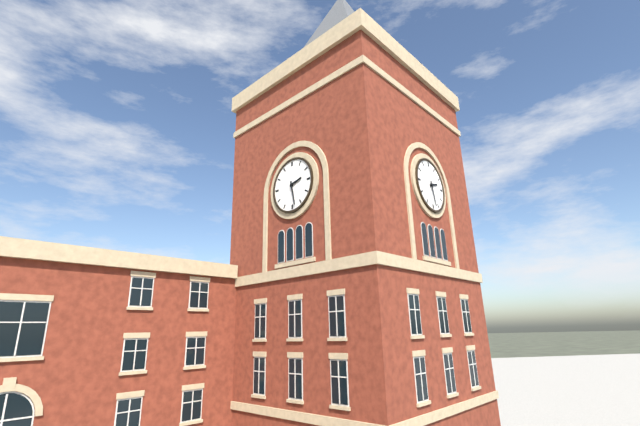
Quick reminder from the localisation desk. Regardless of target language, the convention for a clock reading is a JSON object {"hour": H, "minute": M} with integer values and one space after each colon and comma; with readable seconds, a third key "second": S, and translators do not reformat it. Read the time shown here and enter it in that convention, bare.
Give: {"hour": 2, "minute": 28}
